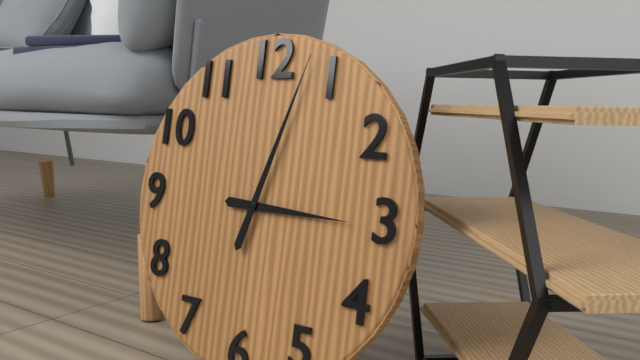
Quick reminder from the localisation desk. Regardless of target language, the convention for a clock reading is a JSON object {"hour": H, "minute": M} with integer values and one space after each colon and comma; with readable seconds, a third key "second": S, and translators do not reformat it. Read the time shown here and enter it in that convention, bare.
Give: {"hour": 3, "minute": 3}
